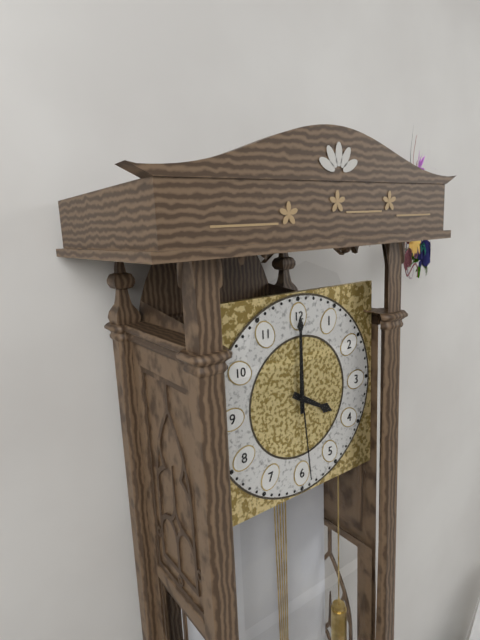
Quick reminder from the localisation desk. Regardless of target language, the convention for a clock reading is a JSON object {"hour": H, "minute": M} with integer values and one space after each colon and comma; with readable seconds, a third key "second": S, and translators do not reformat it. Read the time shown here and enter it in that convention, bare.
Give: {"hour": 4, "minute": 0, "second": 29}
